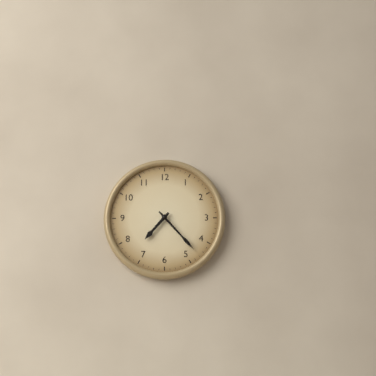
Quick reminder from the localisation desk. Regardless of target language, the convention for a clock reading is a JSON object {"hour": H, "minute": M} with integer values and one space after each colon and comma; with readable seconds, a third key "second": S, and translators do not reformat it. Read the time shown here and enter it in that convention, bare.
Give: {"hour": 7, "minute": 23}
